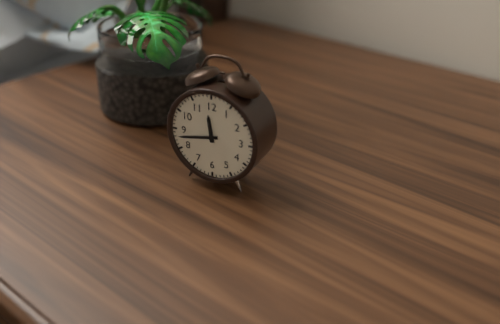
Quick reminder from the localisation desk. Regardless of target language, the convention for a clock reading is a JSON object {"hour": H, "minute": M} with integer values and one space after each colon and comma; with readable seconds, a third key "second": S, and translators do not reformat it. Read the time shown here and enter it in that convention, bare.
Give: {"hour": 11, "minute": 43}
